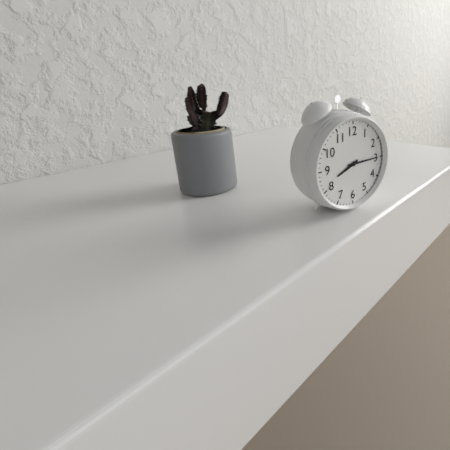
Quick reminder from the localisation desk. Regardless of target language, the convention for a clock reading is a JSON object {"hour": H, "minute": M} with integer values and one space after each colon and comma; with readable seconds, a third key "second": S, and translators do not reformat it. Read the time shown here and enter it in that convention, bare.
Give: {"hour": 8, "minute": 15}
